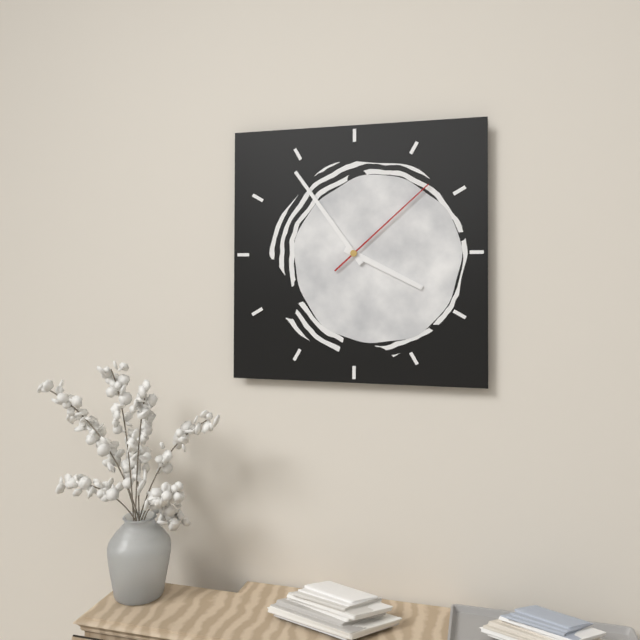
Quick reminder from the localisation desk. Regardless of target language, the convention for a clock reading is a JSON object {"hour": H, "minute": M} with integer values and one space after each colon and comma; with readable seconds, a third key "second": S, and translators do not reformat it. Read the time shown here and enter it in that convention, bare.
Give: {"hour": 3, "minute": 54, "second": 8}
